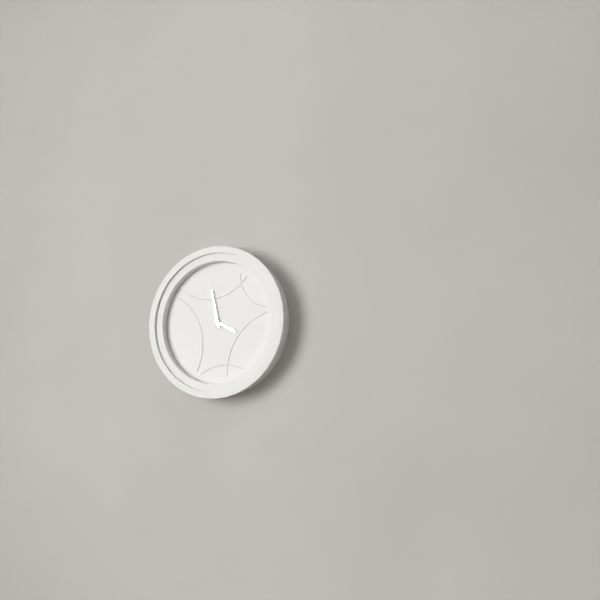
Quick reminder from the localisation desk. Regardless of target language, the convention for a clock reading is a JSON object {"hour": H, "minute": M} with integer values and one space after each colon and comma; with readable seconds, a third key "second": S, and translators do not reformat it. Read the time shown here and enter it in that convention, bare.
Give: {"hour": 3, "minute": 58}
